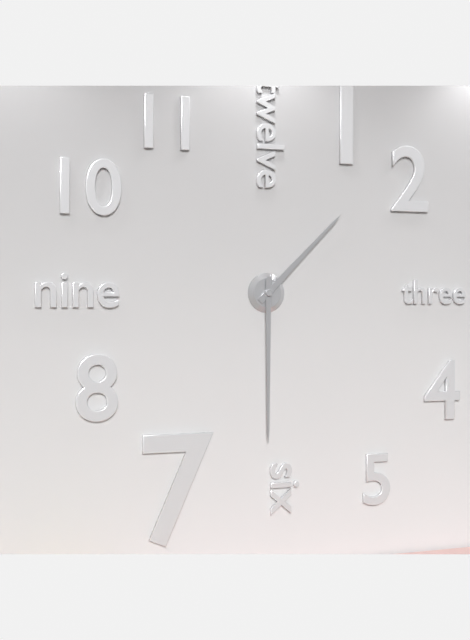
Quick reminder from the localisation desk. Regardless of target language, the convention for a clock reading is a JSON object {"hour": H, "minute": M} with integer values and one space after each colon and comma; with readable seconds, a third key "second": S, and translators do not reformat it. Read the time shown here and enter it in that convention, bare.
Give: {"hour": 1, "minute": 30}
